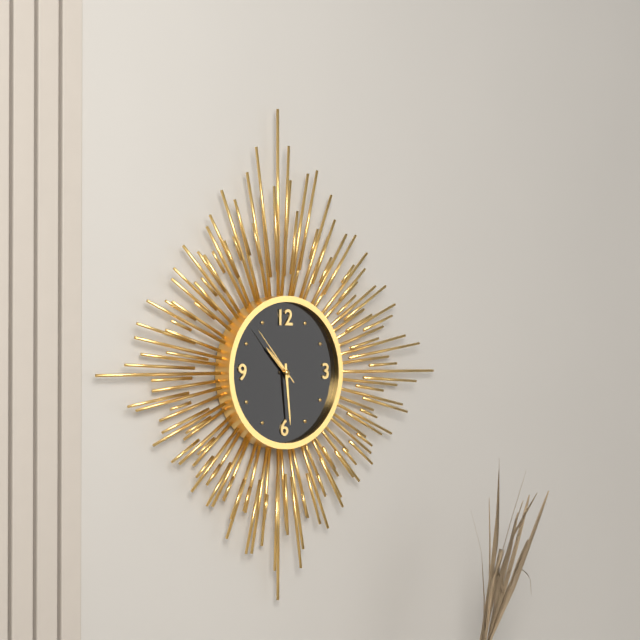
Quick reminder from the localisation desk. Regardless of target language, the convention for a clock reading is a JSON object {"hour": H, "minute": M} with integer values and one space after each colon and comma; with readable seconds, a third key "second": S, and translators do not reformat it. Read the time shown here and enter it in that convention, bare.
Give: {"hour": 10, "minute": 29, "second": 53}
